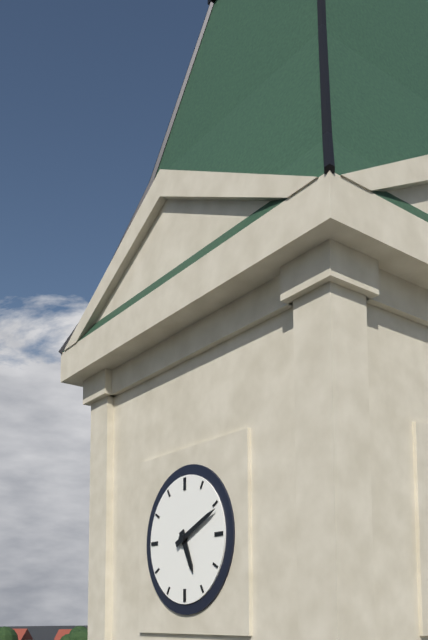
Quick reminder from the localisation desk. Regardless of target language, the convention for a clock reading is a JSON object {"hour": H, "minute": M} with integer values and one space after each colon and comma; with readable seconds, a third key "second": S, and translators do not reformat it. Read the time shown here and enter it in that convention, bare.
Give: {"hour": 5, "minute": 11}
